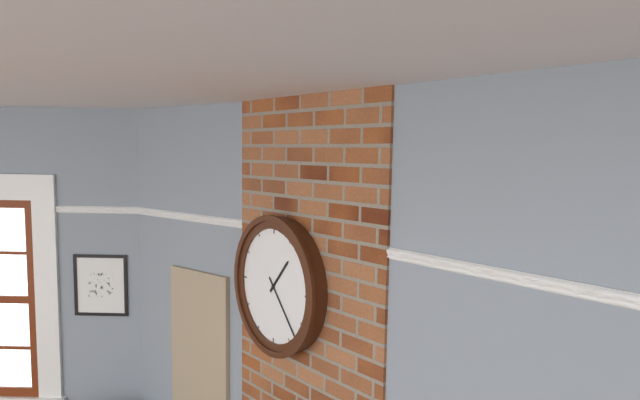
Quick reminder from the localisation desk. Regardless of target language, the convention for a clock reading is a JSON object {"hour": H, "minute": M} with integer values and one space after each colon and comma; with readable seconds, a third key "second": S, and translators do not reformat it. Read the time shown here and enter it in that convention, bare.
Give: {"hour": 1, "minute": 23}
